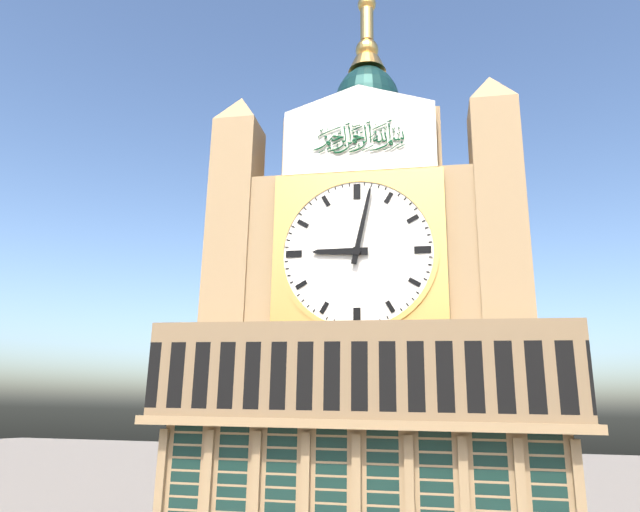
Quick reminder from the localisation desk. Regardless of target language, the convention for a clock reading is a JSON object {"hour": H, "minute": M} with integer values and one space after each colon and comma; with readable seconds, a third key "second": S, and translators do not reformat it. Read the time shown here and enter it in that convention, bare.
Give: {"hour": 9, "minute": 2}
